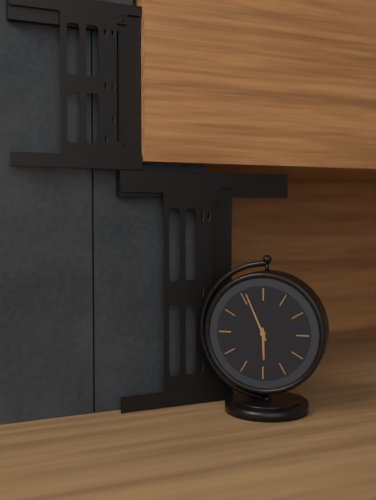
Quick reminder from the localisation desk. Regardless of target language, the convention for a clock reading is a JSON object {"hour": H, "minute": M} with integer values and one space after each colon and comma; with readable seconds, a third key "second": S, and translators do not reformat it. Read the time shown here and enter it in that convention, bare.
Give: {"hour": 5, "minute": 56}
